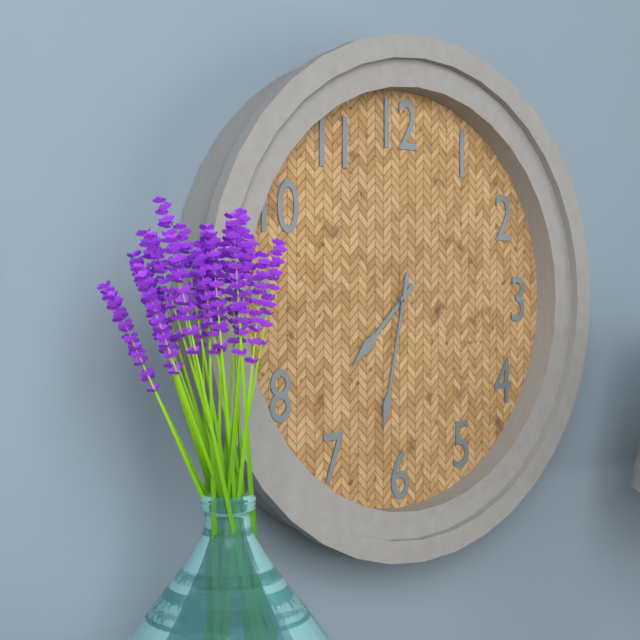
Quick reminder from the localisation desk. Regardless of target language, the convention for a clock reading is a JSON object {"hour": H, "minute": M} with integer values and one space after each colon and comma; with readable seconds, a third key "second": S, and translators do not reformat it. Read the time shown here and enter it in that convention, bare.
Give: {"hour": 7, "minute": 32}
